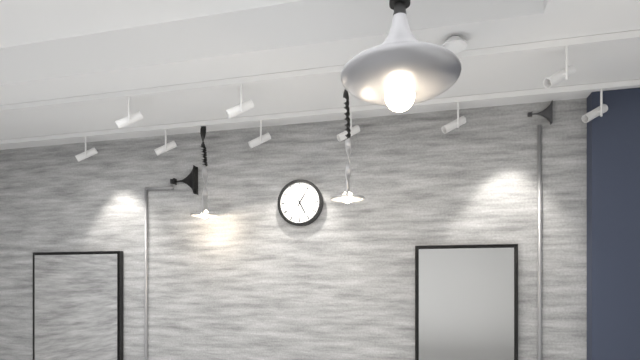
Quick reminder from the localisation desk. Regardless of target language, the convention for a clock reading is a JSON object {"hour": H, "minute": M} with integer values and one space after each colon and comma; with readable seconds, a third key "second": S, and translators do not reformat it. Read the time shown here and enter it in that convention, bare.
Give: {"hour": 5, "minute": 5}
